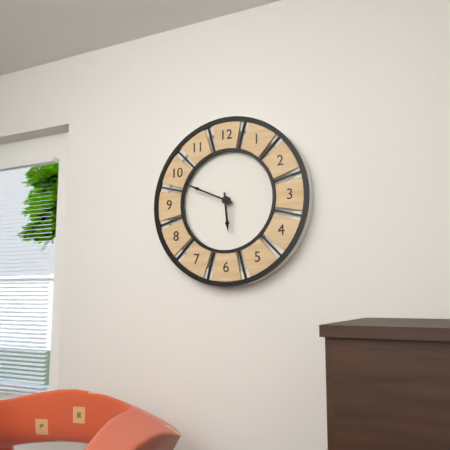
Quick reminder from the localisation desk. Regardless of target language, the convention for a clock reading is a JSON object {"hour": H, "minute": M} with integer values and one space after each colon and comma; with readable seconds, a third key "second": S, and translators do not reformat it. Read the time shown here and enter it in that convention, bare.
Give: {"hour": 5, "minute": 49}
